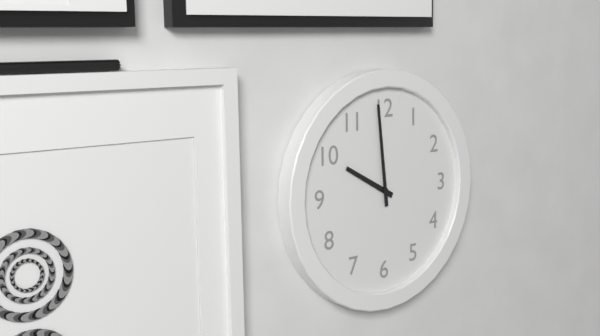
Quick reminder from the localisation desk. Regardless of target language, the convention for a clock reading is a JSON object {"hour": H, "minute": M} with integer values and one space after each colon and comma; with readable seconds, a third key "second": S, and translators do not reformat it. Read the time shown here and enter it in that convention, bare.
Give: {"hour": 9, "minute": 59}
